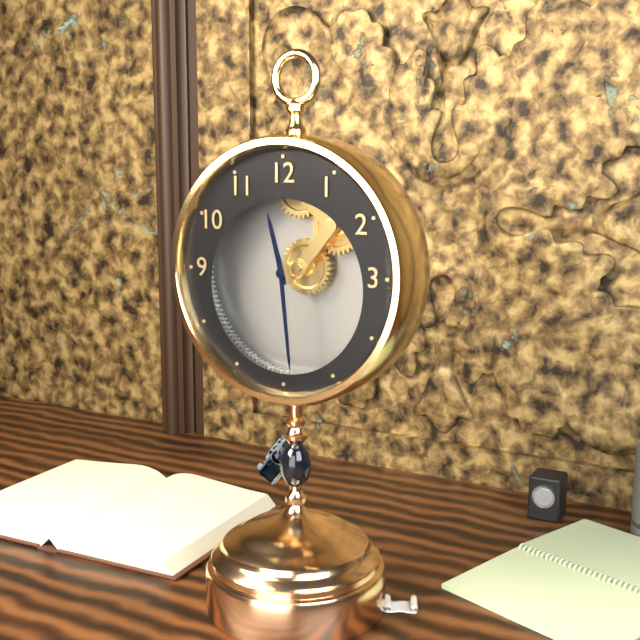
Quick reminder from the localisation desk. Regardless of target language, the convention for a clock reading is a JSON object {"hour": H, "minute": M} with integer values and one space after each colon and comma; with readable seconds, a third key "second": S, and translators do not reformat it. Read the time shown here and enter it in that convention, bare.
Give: {"hour": 11, "minute": 29}
